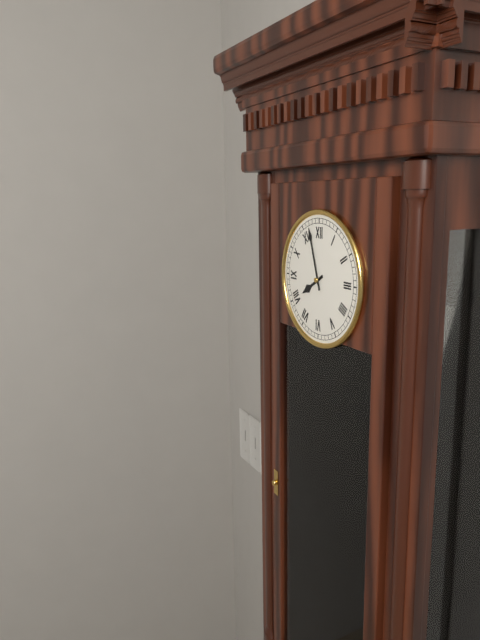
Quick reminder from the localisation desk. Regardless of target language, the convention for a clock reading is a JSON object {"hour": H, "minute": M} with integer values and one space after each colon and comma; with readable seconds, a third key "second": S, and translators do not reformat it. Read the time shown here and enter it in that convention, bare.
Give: {"hour": 7, "minute": 57}
